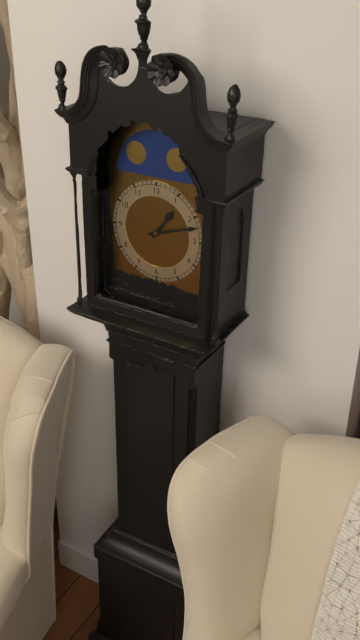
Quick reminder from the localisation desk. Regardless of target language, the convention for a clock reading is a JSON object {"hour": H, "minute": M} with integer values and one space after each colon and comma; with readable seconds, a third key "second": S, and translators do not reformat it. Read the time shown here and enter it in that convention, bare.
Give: {"hour": 1, "minute": 12}
